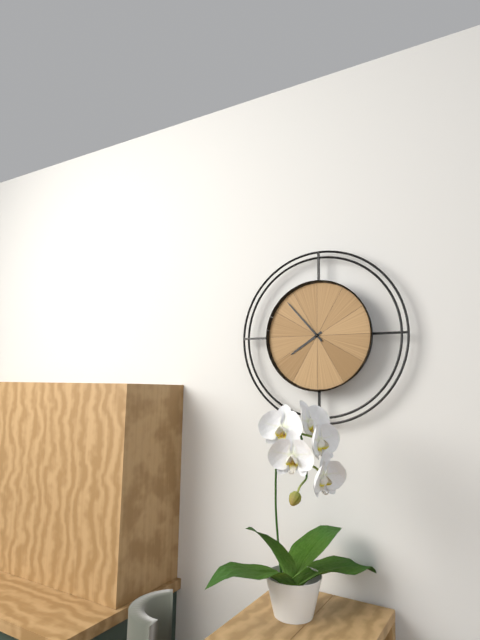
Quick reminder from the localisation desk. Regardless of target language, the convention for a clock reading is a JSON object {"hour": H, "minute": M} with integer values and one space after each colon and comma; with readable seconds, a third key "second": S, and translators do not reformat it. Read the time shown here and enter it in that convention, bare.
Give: {"hour": 7, "minute": 53}
